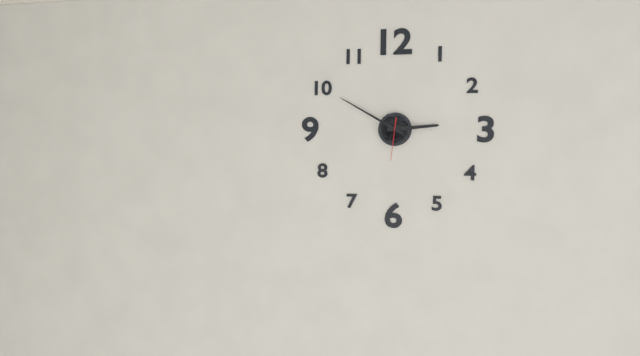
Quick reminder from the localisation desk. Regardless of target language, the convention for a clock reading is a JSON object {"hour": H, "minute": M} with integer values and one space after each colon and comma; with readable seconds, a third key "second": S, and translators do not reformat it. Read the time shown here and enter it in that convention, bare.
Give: {"hour": 2, "minute": 50}
